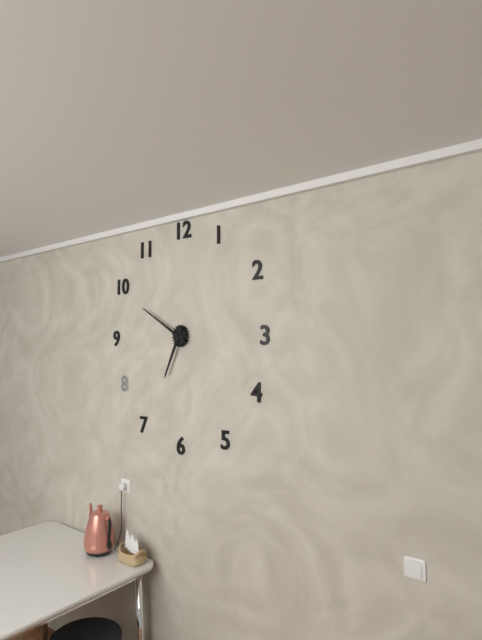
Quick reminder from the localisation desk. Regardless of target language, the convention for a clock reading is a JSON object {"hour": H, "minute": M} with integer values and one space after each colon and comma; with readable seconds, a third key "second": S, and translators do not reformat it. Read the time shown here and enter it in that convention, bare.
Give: {"hour": 6, "minute": 50}
